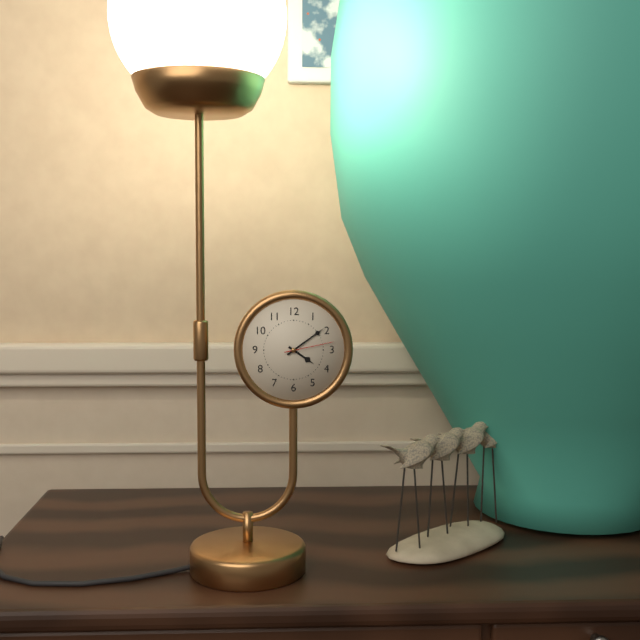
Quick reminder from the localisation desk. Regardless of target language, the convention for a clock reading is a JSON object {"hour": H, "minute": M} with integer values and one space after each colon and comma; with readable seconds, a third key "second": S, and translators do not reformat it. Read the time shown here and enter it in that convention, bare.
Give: {"hour": 4, "minute": 9, "second": 13}
